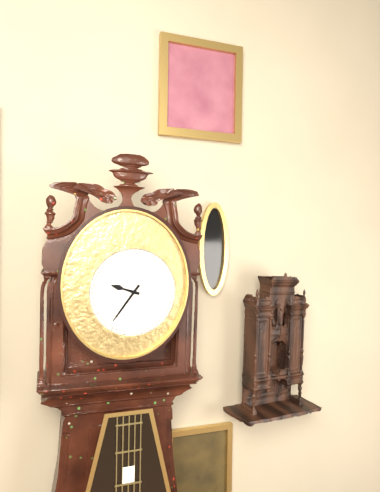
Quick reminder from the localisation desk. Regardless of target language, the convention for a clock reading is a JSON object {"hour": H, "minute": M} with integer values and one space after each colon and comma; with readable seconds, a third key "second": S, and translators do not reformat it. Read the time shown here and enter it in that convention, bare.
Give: {"hour": 9, "minute": 36}
